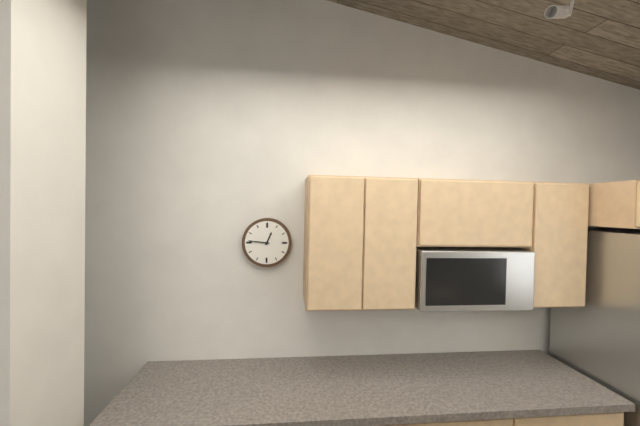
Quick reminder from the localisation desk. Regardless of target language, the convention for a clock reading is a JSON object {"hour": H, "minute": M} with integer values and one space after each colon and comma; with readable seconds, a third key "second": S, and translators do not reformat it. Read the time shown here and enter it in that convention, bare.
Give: {"hour": 12, "minute": 46}
